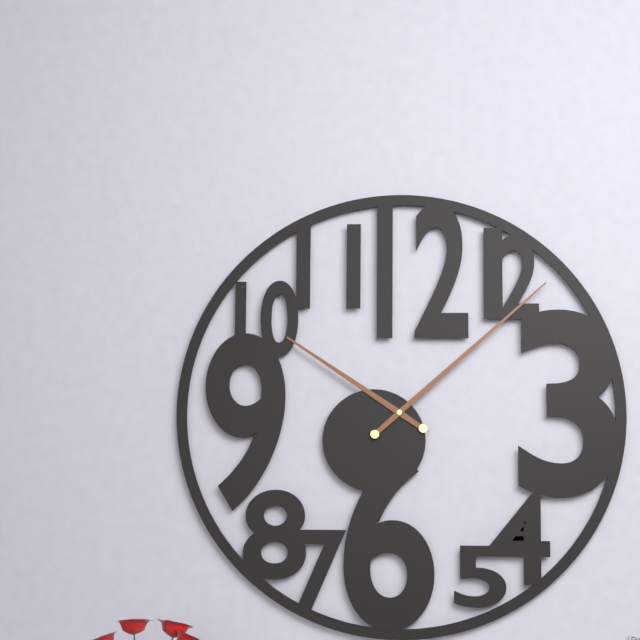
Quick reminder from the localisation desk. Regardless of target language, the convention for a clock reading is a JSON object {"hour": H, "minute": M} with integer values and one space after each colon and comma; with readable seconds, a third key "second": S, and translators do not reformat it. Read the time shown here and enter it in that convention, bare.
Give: {"hour": 10, "minute": 8}
